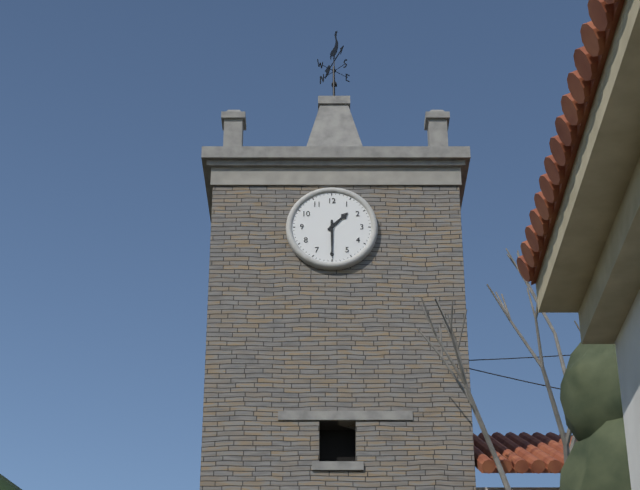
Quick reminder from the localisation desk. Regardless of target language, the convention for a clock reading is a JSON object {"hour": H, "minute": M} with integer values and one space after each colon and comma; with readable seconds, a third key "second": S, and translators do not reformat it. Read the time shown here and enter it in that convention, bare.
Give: {"hour": 1, "minute": 30}
